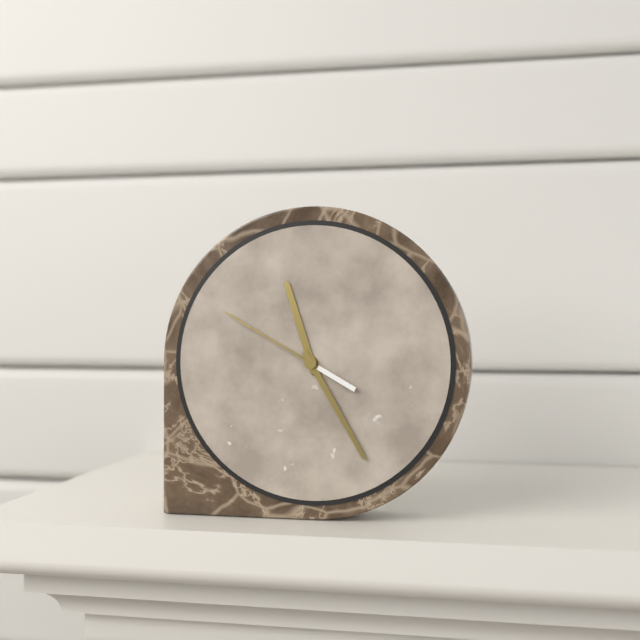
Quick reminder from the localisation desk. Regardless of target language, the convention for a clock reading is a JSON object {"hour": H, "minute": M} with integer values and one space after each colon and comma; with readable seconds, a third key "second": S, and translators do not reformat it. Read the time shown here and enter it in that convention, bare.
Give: {"hour": 11, "minute": 25, "second": 50}
